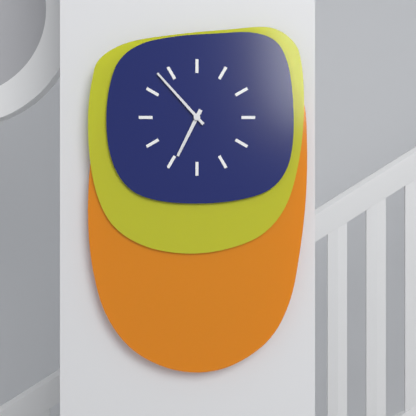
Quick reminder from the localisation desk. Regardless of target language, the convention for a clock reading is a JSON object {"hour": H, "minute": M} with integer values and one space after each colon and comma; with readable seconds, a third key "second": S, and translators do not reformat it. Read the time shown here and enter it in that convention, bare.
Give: {"hour": 6, "minute": 53}
